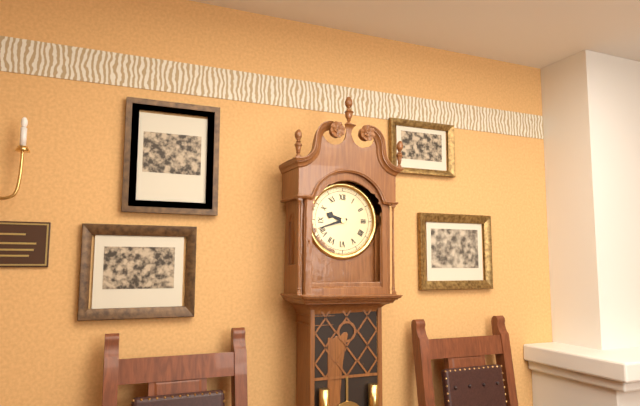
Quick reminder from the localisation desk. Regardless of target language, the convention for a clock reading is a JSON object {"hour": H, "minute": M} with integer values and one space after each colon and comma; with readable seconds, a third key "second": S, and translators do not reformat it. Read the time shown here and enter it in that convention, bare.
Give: {"hour": 9, "minute": 42}
